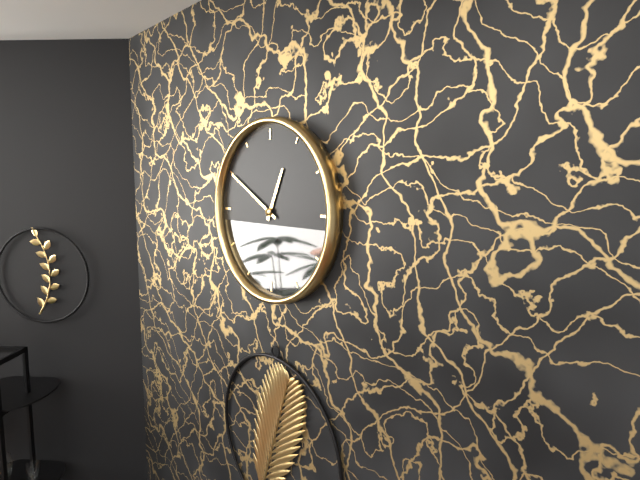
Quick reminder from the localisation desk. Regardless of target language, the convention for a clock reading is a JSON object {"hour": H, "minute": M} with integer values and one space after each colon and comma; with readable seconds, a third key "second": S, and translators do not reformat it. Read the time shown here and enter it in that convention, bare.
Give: {"hour": 12, "minute": 50}
